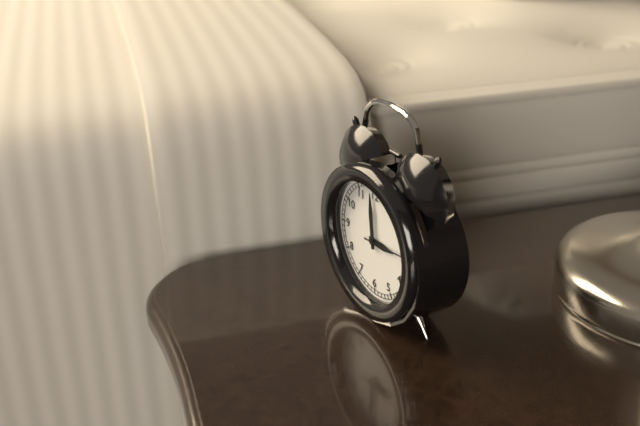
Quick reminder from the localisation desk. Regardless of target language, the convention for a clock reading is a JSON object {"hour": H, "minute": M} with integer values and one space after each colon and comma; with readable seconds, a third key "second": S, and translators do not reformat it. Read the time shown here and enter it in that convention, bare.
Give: {"hour": 2, "minute": 59}
